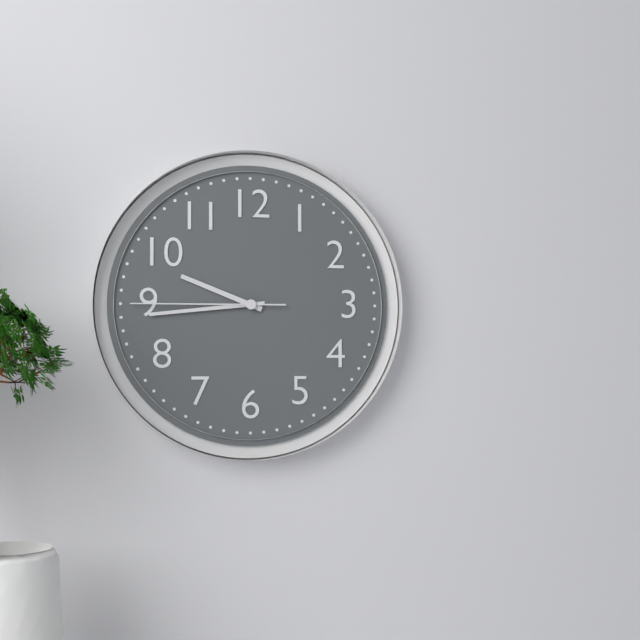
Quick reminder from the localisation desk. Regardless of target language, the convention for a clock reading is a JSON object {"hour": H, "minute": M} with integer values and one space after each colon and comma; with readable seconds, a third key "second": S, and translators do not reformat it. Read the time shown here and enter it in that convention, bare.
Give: {"hour": 9, "minute": 44, "second": 45}
